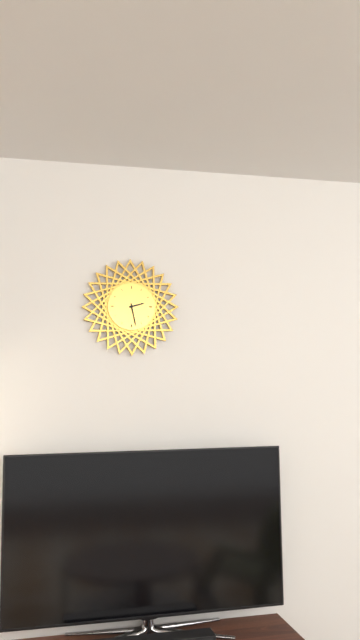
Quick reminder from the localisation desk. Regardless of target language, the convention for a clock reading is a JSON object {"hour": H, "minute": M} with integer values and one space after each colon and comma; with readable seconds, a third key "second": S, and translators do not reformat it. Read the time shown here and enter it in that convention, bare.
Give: {"hour": 2, "minute": 28}
